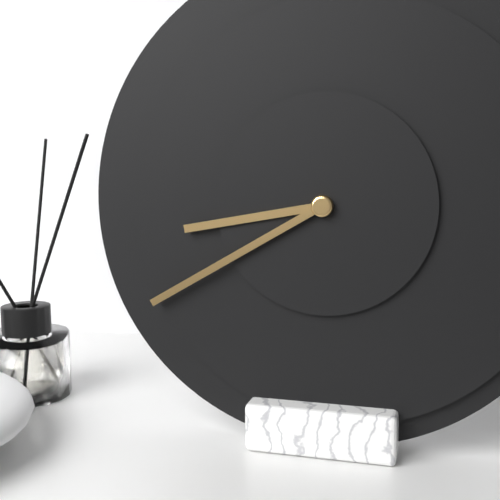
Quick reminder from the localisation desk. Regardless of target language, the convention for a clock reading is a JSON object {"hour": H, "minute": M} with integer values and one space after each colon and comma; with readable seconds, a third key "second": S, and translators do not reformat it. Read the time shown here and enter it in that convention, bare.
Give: {"hour": 8, "minute": 40}
